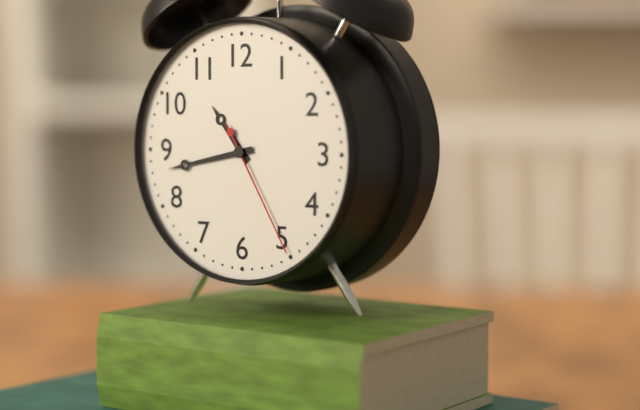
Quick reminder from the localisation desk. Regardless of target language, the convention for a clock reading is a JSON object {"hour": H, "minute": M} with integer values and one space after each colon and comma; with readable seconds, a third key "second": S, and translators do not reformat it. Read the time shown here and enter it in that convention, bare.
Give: {"hour": 10, "minute": 43, "second": 25}
